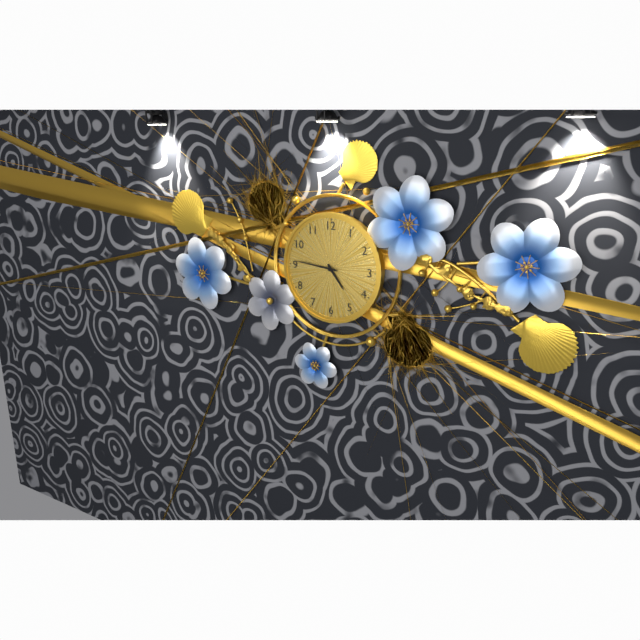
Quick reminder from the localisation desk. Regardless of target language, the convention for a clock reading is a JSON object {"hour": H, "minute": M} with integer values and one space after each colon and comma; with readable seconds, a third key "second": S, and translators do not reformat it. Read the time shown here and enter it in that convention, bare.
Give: {"hour": 4, "minute": 46}
